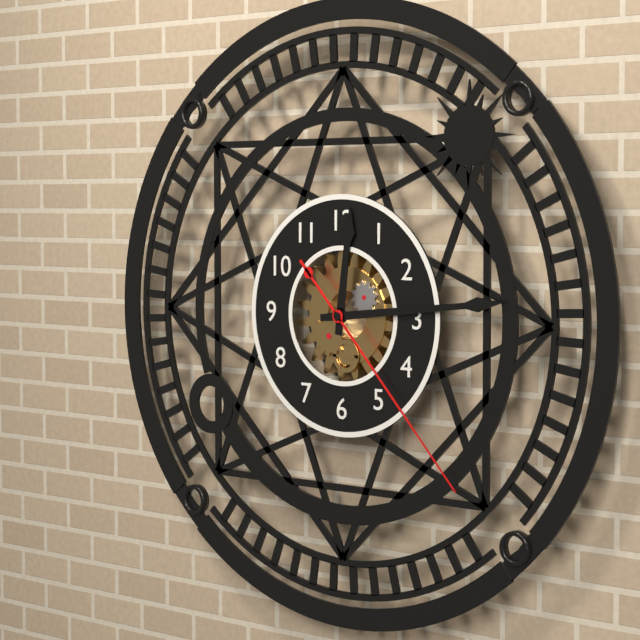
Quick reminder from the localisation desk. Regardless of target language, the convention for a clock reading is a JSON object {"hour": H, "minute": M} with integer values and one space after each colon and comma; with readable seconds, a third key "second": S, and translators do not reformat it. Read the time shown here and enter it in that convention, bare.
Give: {"hour": 12, "minute": 14, "second": 23}
